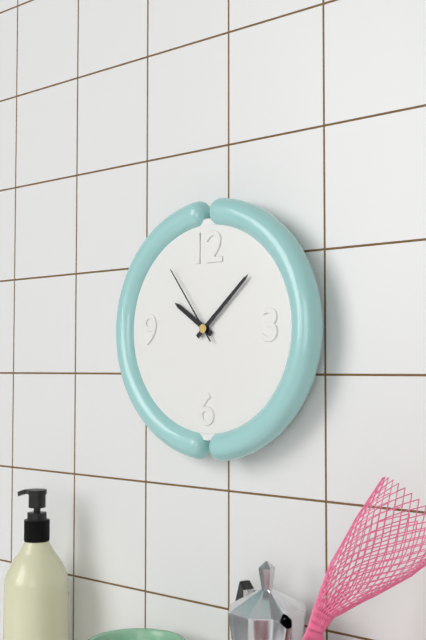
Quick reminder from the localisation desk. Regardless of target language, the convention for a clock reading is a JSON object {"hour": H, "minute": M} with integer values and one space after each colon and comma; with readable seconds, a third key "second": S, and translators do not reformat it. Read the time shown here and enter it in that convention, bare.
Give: {"hour": 10, "minute": 8, "second": 54}
